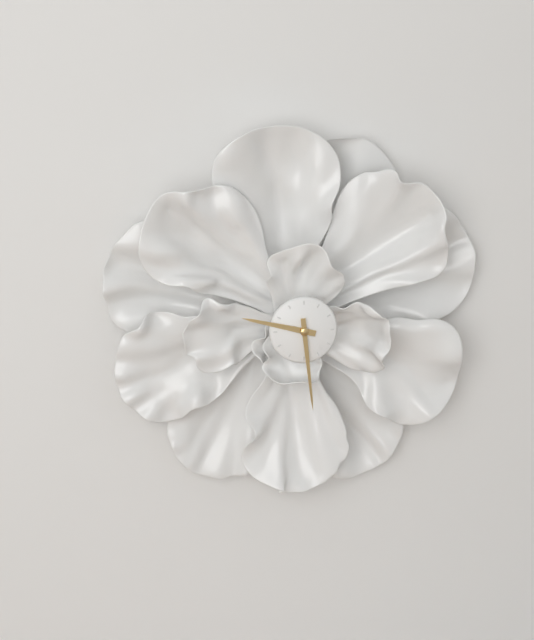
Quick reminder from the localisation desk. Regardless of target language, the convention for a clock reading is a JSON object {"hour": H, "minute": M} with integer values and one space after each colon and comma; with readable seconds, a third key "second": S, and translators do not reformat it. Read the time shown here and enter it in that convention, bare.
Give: {"hour": 9, "minute": 29}
